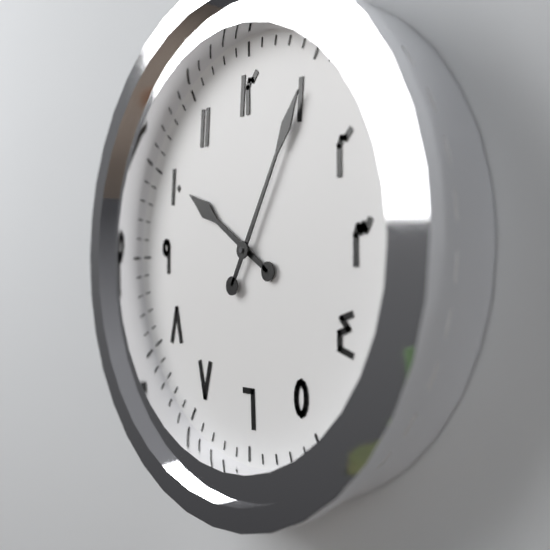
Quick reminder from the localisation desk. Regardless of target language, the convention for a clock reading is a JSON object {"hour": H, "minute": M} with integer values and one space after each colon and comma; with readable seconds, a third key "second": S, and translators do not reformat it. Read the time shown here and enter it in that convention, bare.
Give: {"hour": 10, "minute": 5}
